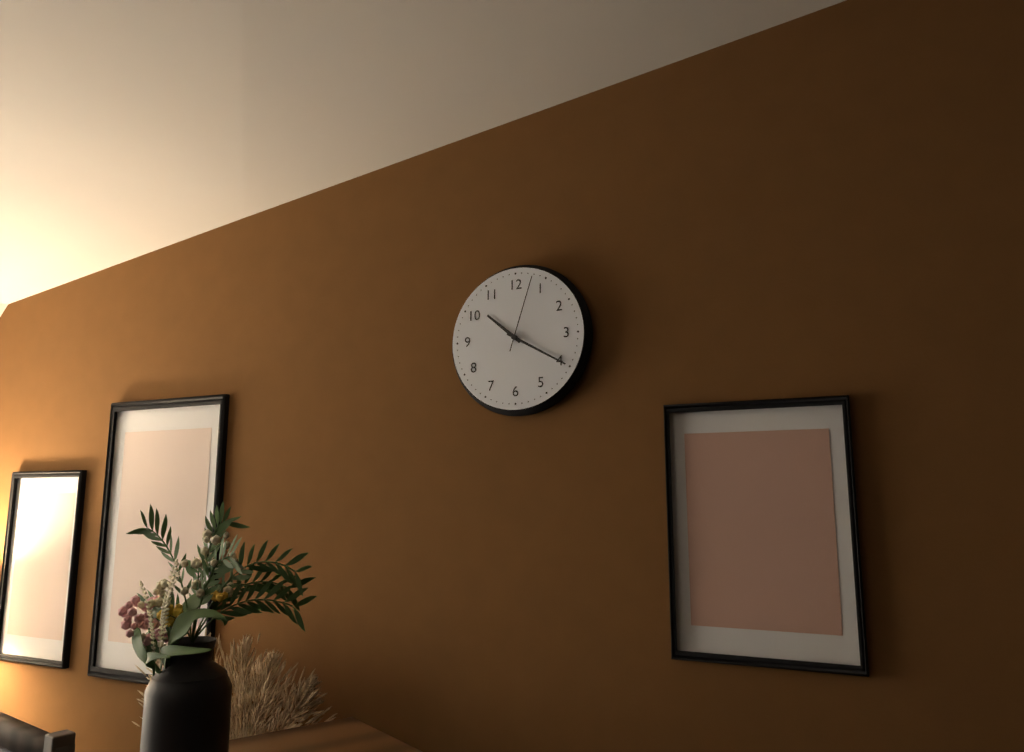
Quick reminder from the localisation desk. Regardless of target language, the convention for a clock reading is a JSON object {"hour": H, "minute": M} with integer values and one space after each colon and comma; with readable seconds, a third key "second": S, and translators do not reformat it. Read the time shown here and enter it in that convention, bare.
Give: {"hour": 10, "minute": 20, "second": 3}
